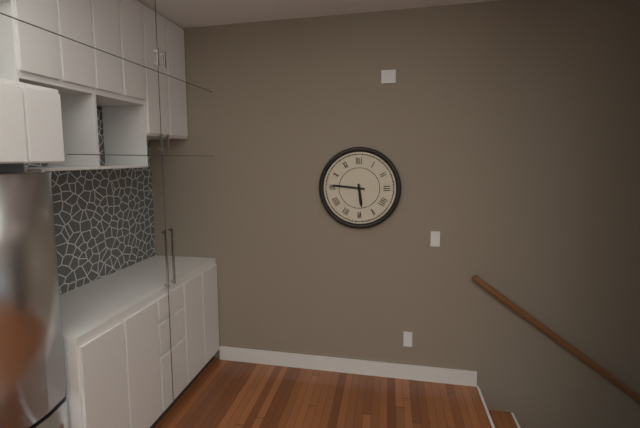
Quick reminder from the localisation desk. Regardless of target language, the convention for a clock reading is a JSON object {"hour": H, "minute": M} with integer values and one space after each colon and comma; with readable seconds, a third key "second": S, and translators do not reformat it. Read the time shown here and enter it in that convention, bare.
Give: {"hour": 5, "minute": 46}
